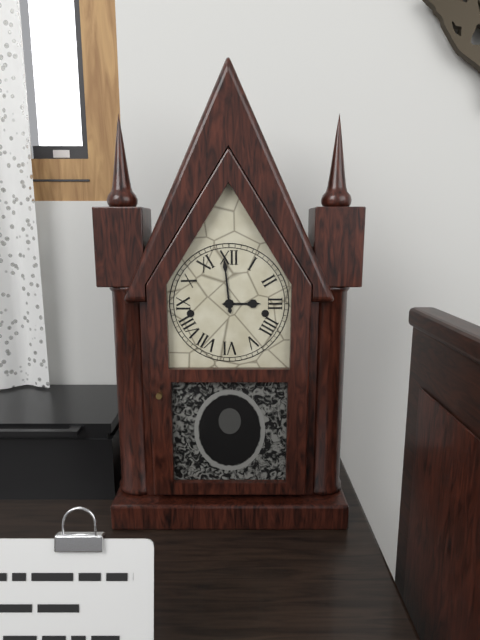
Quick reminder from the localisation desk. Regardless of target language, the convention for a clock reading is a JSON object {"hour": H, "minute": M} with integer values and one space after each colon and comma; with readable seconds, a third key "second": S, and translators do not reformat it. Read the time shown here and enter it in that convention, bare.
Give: {"hour": 2, "minute": 59}
